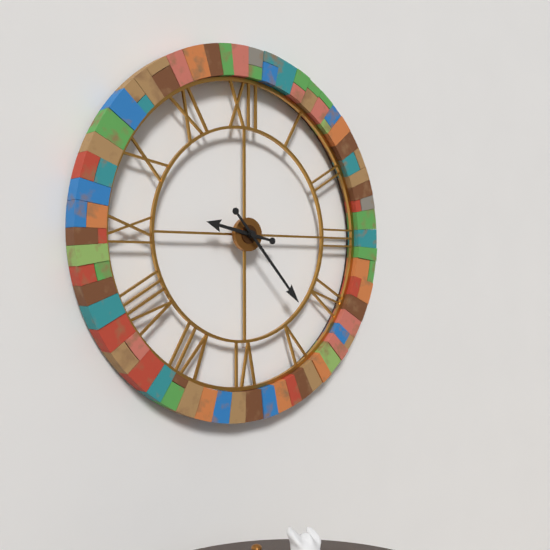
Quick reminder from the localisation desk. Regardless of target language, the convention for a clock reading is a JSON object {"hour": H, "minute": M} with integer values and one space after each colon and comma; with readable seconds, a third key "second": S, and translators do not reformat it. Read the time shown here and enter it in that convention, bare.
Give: {"hour": 9, "minute": 23}
